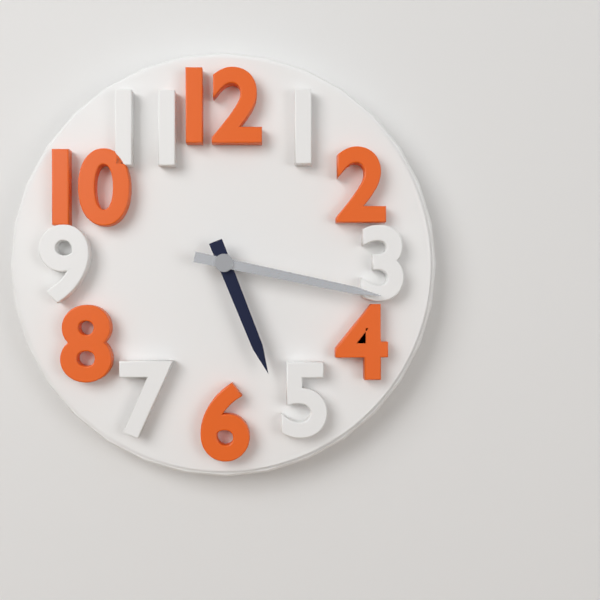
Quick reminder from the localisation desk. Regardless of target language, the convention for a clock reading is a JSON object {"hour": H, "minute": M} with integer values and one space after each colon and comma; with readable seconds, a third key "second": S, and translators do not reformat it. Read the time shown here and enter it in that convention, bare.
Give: {"hour": 5, "minute": 17}
